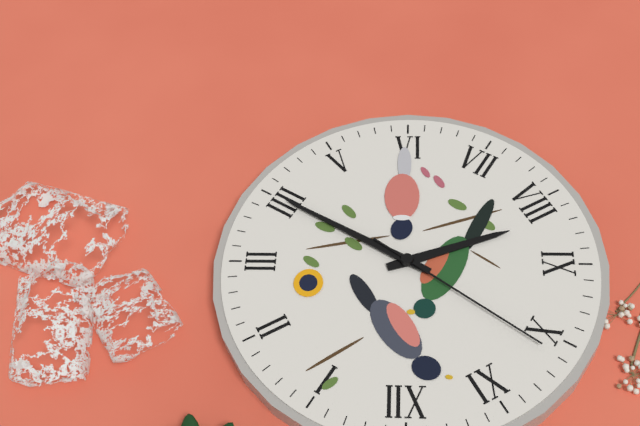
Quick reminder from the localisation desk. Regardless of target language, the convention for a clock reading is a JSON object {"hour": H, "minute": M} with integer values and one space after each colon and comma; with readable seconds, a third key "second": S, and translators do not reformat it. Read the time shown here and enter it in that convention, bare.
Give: {"hour": 8, "minute": 20, "second": 51}
